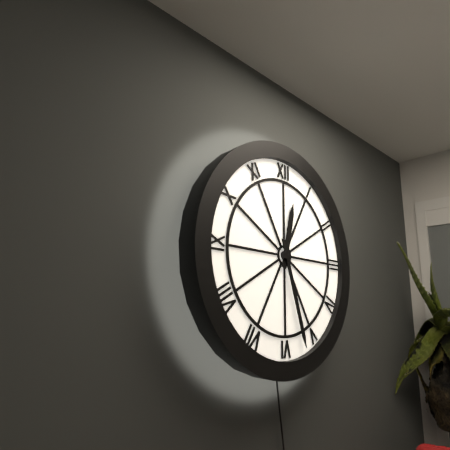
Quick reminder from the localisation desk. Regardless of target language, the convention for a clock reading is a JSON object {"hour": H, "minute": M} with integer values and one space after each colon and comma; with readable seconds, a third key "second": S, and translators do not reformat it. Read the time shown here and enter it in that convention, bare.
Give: {"hour": 12, "minute": 27}
